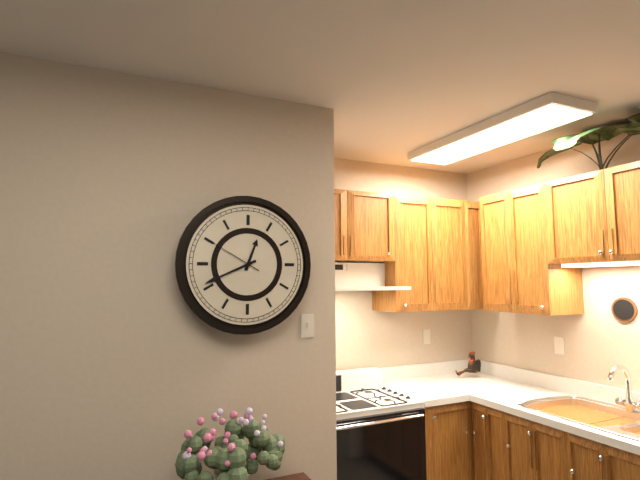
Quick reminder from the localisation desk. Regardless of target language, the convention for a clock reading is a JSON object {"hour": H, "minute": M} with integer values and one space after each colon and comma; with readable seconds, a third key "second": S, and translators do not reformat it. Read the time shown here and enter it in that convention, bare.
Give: {"hour": 12, "minute": 41, "second": 50}
